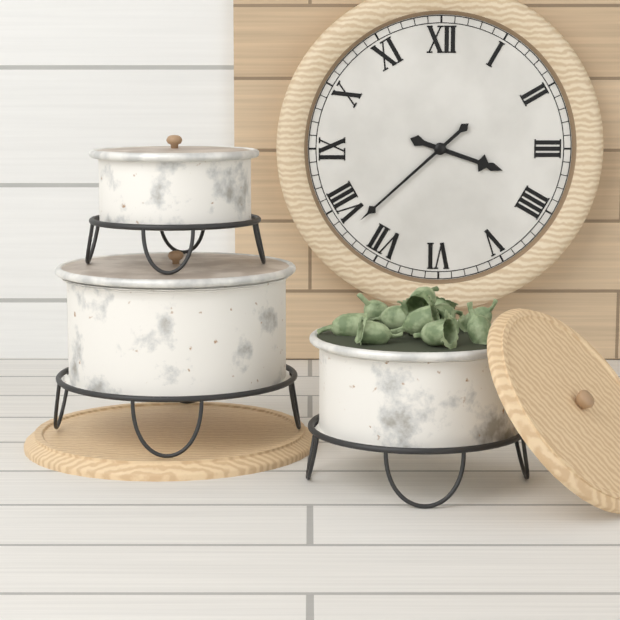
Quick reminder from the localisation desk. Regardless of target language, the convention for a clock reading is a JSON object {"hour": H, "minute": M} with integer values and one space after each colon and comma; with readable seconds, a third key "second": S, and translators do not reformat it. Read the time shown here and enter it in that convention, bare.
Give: {"hour": 3, "minute": 38}
